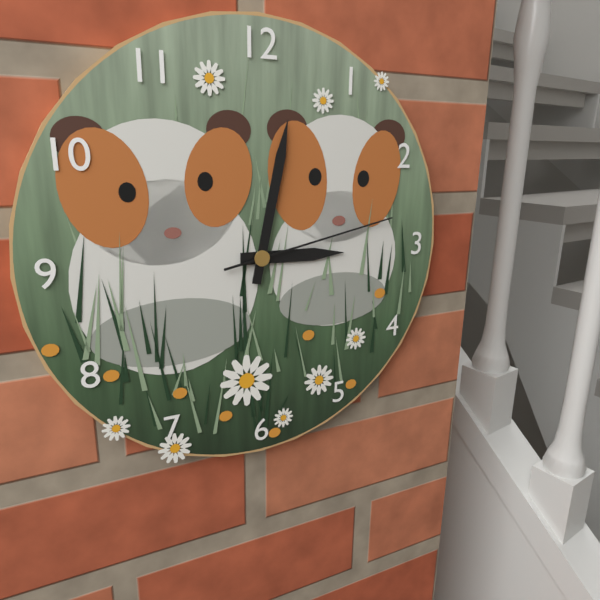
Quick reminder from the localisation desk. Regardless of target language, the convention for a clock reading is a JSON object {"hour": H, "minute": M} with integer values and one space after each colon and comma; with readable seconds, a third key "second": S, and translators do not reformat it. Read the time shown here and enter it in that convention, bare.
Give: {"hour": 3, "minute": 2, "second": 13}
